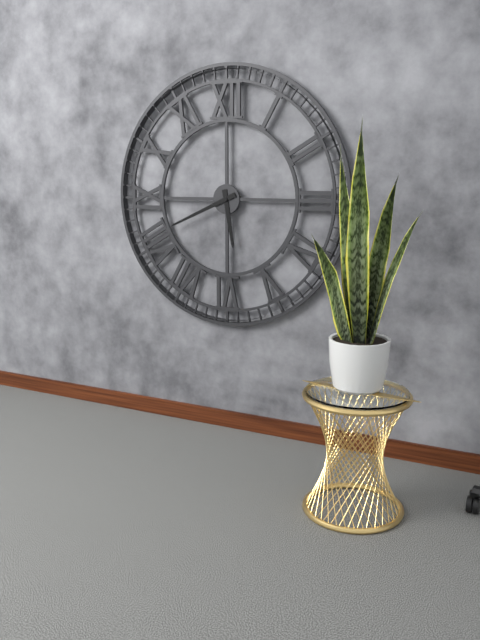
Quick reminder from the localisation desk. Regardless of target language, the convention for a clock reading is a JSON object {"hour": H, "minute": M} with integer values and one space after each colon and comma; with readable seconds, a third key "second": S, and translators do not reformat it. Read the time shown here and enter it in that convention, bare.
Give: {"hour": 5, "minute": 41}
